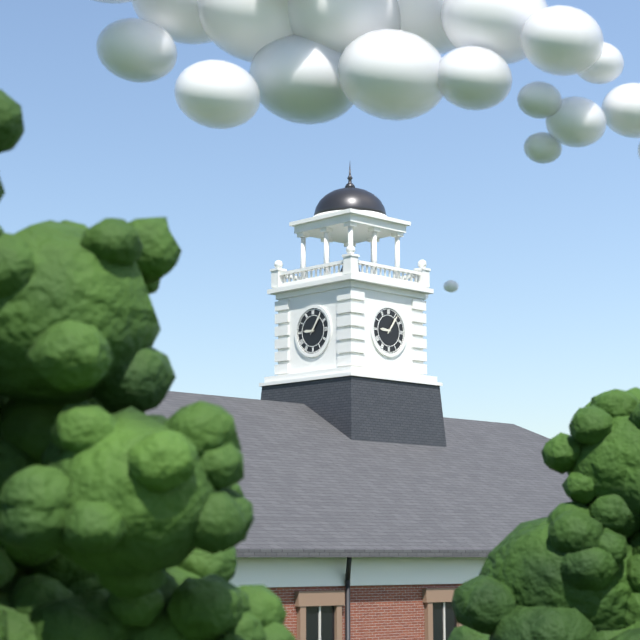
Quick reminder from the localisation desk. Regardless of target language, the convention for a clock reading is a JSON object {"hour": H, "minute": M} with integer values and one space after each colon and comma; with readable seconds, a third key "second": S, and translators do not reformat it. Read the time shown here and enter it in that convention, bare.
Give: {"hour": 9, "minute": 6}
